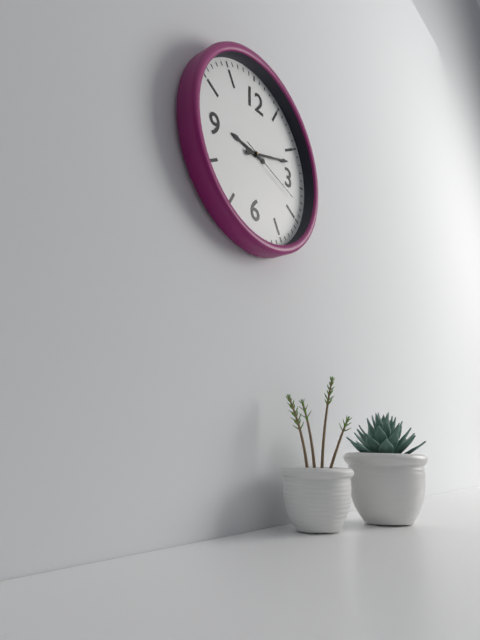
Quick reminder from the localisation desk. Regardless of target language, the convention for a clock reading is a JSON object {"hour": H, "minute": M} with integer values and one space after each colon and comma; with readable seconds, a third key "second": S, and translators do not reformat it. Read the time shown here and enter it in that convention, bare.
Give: {"hour": 9, "minute": 12, "second": 18}
